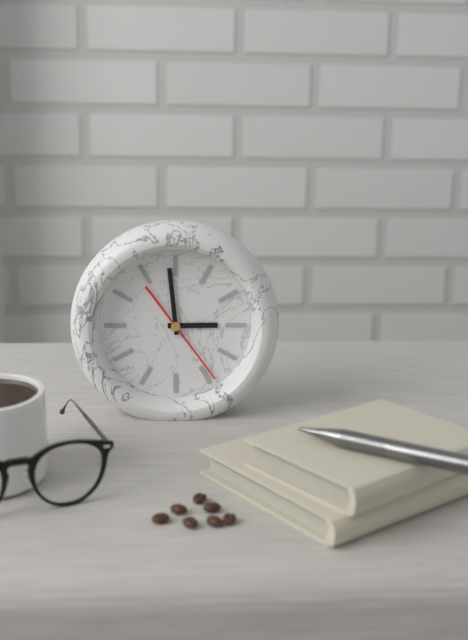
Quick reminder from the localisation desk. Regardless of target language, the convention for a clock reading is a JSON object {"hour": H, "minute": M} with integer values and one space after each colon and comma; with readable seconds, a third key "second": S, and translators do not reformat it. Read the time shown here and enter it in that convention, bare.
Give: {"hour": 2, "minute": 59, "second": 24}
